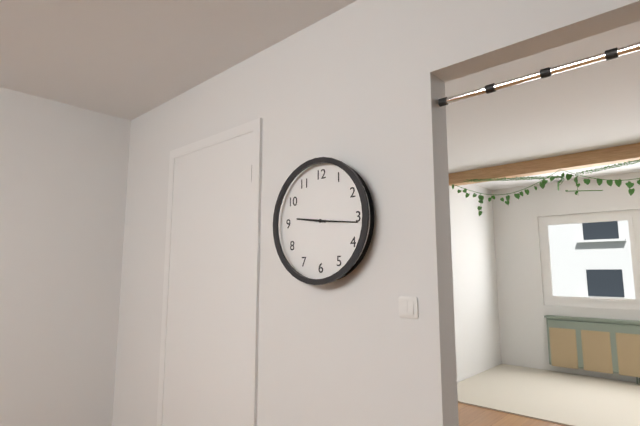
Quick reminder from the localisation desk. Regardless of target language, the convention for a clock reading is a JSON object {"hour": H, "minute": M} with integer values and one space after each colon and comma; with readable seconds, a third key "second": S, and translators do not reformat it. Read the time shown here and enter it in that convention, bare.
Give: {"hour": 9, "minute": 16}
